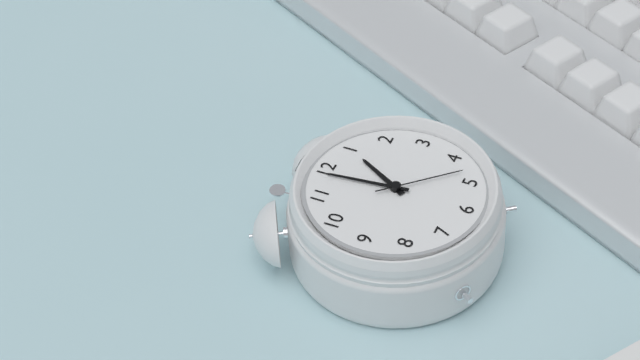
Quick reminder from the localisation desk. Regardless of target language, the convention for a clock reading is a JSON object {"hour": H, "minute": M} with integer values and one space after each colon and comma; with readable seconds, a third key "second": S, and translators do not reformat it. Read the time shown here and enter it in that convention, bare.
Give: {"hour": 12, "minute": 59, "second": 23}
